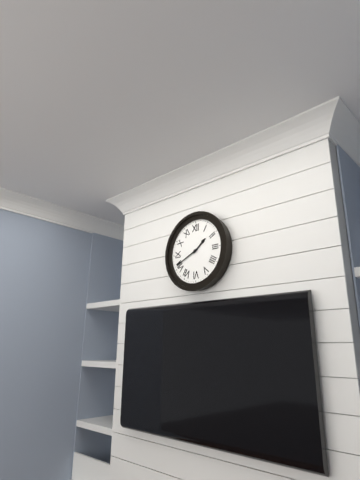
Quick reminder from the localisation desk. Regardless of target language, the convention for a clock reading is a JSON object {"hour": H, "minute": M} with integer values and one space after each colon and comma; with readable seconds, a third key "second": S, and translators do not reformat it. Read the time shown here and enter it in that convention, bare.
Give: {"hour": 1, "minute": 41}
